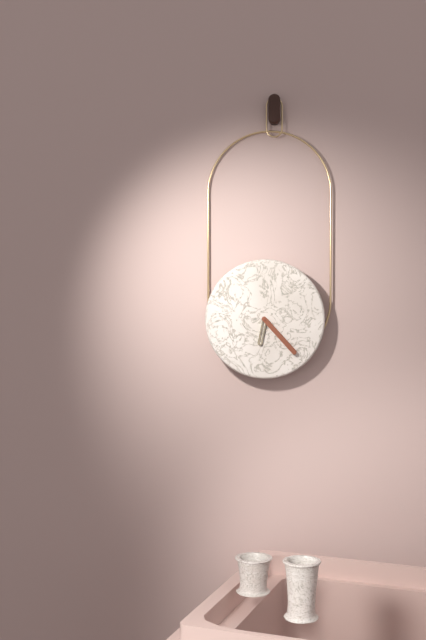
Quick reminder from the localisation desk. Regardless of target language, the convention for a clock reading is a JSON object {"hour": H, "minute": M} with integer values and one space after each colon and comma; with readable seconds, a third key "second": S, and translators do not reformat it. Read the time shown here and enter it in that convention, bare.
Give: {"hour": 6, "minute": 23}
